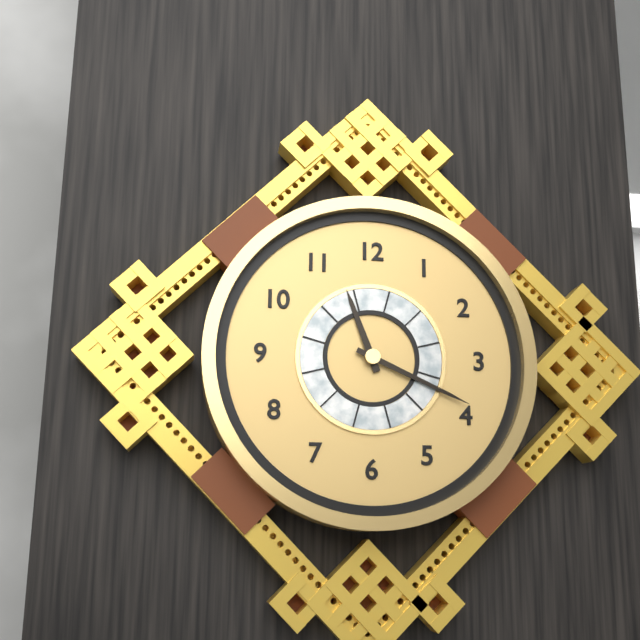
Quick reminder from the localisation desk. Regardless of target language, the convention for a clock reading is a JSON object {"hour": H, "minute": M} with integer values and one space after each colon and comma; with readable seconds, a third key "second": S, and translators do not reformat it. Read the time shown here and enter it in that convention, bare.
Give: {"hour": 11, "minute": 19}
